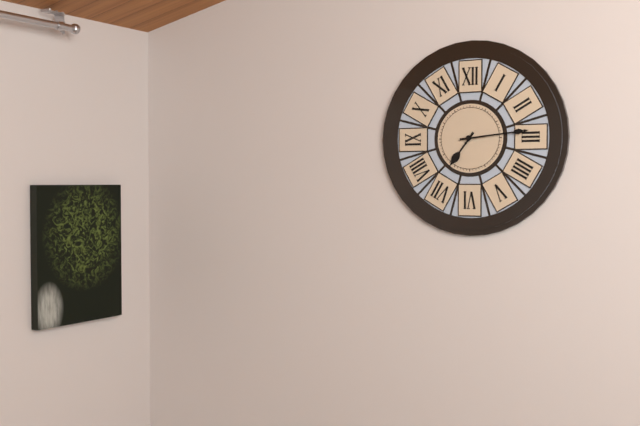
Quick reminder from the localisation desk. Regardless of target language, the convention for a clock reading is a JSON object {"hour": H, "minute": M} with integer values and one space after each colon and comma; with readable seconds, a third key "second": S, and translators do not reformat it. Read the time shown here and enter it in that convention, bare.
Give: {"hour": 7, "minute": 14}
